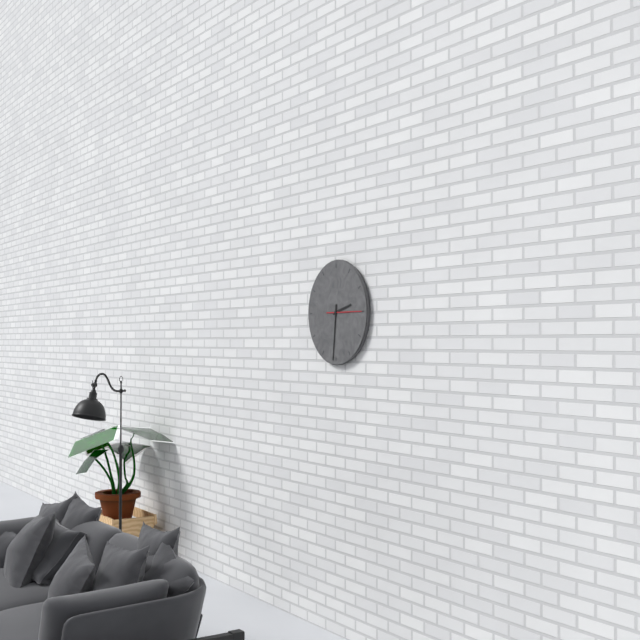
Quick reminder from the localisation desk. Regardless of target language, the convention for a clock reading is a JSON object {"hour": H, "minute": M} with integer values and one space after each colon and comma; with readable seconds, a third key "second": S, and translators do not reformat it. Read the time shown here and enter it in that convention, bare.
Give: {"hour": 2, "minute": 31}
